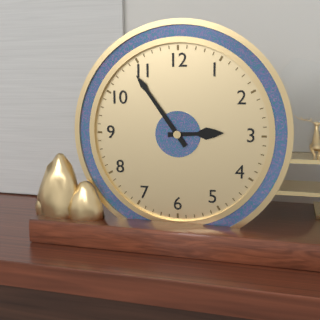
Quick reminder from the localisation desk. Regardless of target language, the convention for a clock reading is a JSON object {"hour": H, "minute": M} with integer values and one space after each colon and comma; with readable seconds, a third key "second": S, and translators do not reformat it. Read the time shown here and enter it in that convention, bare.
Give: {"hour": 2, "minute": 54}
